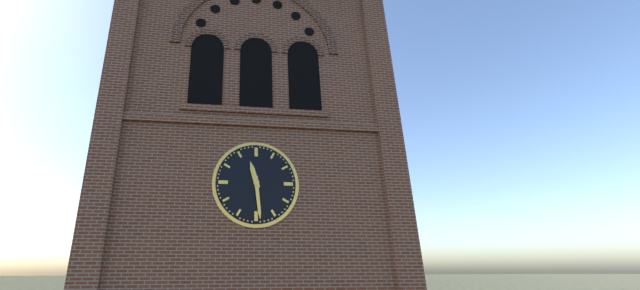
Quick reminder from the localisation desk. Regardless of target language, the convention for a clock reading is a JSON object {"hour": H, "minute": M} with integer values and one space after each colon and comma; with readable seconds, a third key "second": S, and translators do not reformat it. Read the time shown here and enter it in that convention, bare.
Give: {"hour": 11, "minute": 29}
